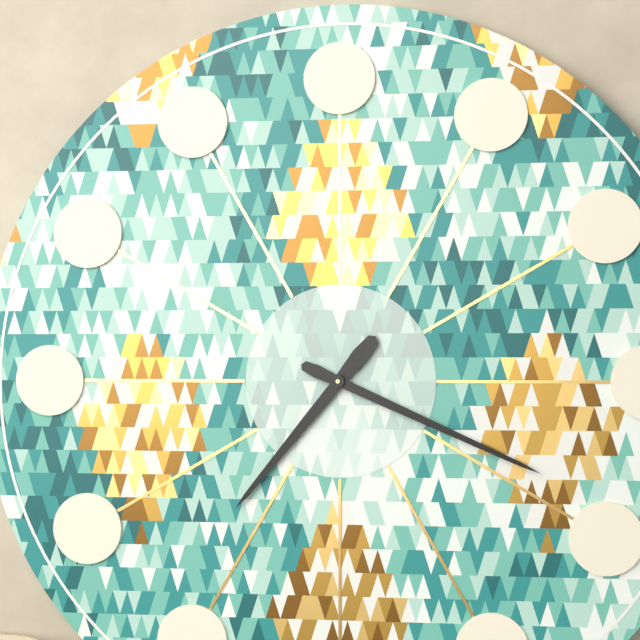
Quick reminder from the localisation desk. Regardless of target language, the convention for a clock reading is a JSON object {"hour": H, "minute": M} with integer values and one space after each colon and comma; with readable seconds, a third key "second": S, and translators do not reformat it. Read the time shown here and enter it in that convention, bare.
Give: {"hour": 7, "minute": 19}
